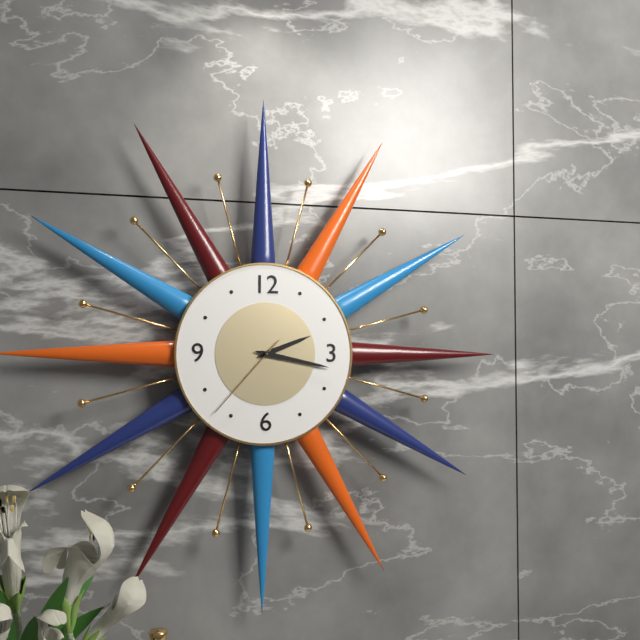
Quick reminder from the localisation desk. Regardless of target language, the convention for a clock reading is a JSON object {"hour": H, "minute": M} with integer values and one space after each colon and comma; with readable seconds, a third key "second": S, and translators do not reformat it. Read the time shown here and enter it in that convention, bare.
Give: {"hour": 2, "minute": 17, "second": 37}
